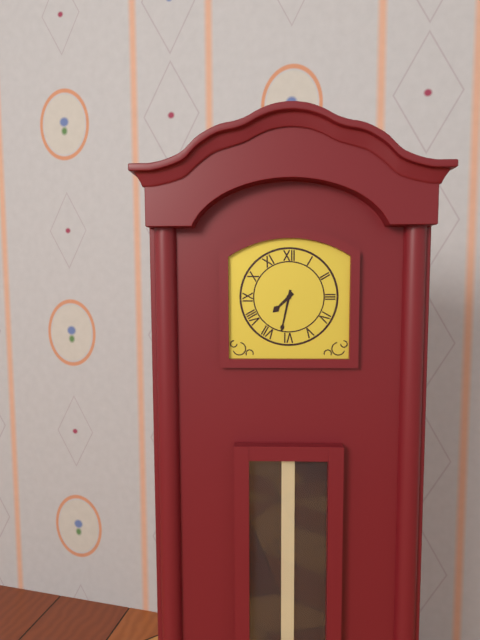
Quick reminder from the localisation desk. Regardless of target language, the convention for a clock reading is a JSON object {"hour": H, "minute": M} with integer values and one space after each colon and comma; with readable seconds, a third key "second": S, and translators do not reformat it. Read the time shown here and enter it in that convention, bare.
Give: {"hour": 7, "minute": 32}
